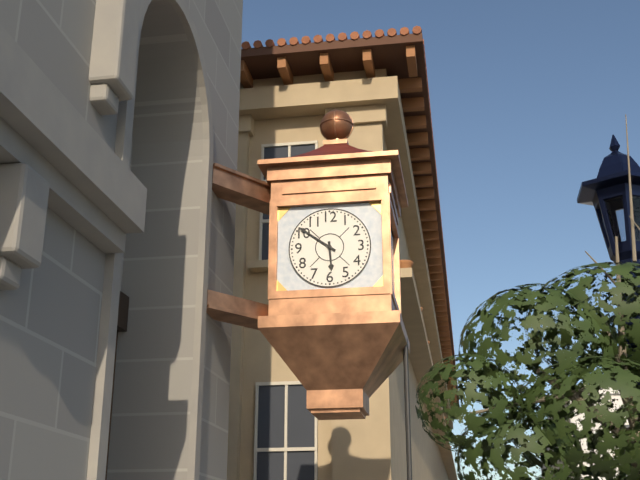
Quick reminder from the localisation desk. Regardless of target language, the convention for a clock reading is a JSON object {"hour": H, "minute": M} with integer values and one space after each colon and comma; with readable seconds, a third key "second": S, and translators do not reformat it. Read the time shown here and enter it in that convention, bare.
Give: {"hour": 5, "minute": 51}
